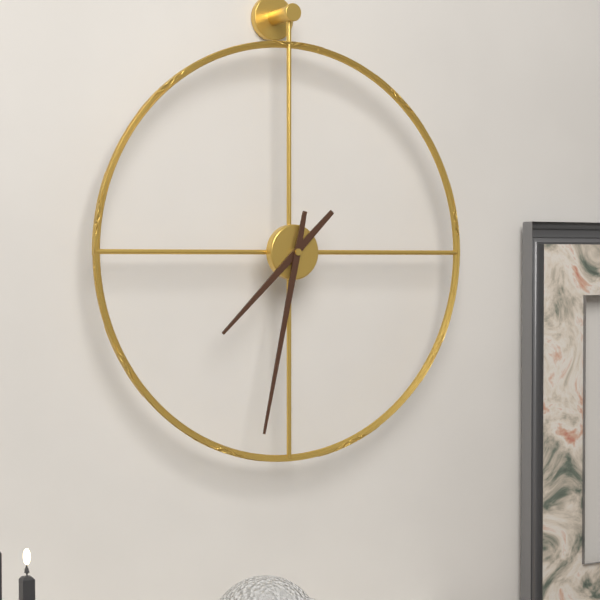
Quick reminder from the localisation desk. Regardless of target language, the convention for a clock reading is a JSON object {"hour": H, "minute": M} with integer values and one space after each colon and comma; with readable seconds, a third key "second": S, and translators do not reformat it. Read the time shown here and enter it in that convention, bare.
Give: {"hour": 7, "minute": 32}
